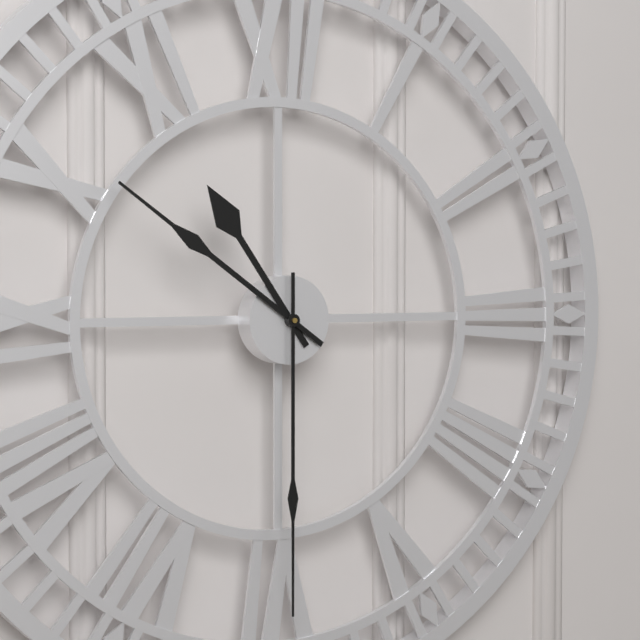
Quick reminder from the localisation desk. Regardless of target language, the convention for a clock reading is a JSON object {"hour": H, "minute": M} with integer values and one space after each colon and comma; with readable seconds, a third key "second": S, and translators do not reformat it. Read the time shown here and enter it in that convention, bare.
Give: {"hour": 10, "minute": 51, "second": 30}
